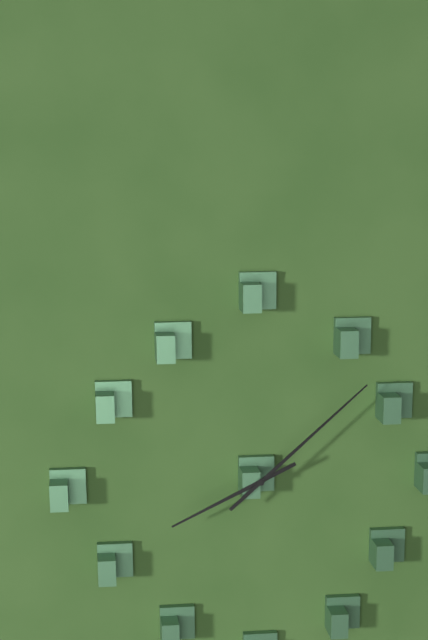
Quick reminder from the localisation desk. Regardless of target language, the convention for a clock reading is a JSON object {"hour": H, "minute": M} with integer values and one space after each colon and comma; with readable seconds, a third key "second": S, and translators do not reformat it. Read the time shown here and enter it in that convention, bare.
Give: {"hour": 8, "minute": 8}
